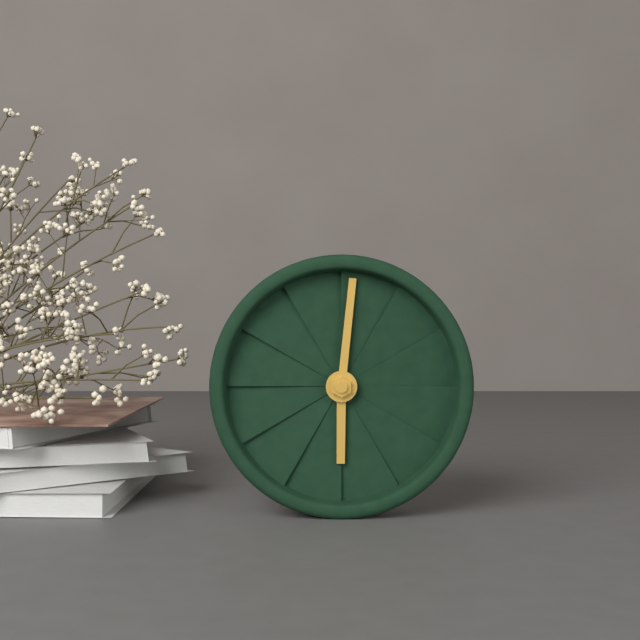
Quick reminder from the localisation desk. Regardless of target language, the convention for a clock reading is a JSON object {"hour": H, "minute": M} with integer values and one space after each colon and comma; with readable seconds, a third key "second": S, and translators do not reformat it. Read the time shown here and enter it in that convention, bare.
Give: {"hour": 6, "minute": 1}
